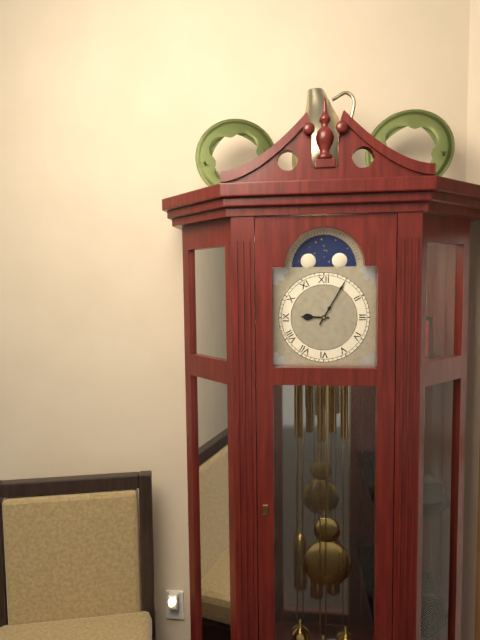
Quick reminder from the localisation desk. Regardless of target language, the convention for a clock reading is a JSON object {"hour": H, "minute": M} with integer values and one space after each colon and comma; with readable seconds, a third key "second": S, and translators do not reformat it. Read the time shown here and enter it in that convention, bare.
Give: {"hour": 9, "minute": 5}
